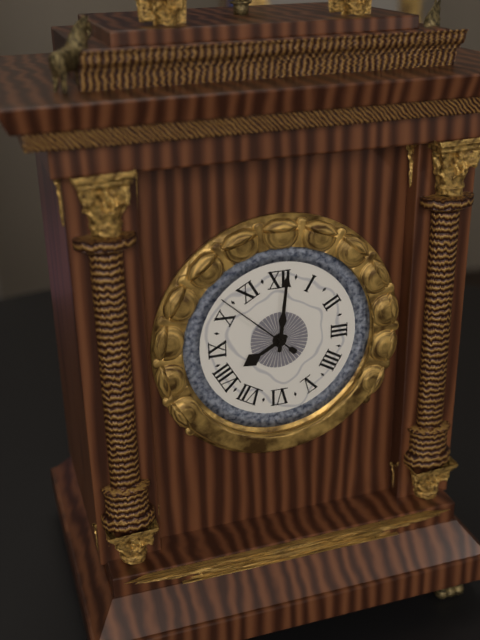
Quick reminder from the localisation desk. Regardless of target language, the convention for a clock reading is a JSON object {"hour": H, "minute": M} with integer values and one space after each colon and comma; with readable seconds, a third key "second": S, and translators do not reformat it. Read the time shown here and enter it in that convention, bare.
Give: {"hour": 8, "minute": 1, "second": 52}
